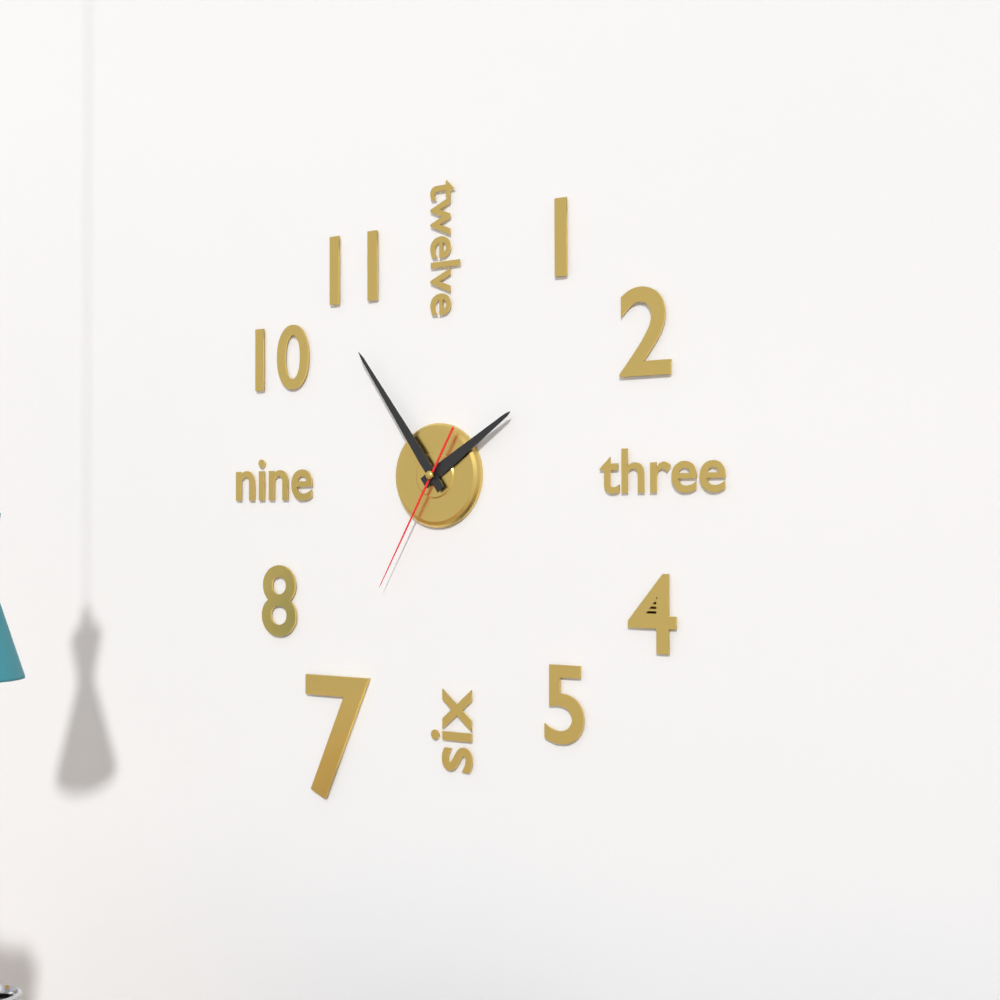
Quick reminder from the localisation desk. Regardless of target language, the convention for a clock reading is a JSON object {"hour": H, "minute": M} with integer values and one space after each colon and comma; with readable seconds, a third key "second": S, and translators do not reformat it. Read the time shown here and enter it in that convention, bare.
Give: {"hour": 1, "minute": 54, "second": 35}
